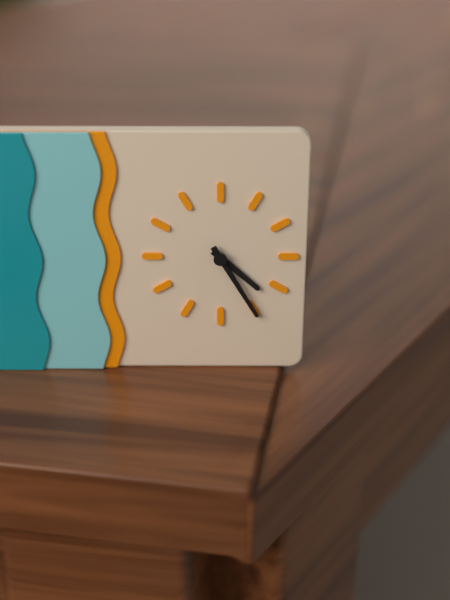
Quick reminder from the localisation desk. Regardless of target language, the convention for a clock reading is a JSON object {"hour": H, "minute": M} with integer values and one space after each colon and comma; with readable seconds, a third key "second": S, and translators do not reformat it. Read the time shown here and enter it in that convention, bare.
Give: {"hour": 4, "minute": 25}
